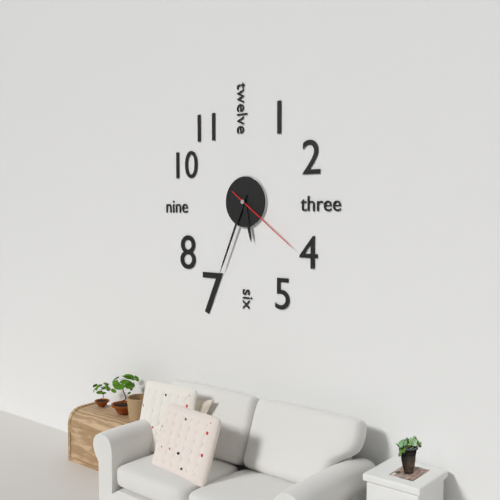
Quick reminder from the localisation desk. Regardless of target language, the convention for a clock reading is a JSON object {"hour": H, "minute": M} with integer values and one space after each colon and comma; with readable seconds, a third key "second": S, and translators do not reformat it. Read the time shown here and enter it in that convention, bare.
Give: {"hour": 5, "minute": 34, "second": 21}
